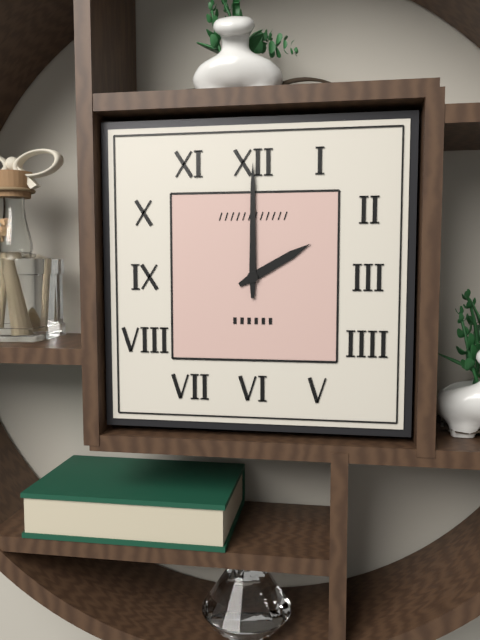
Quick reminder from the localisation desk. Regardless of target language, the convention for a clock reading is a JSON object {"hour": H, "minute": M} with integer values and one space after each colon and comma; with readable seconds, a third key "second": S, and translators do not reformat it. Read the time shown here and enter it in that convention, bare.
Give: {"hour": 2, "minute": 0}
